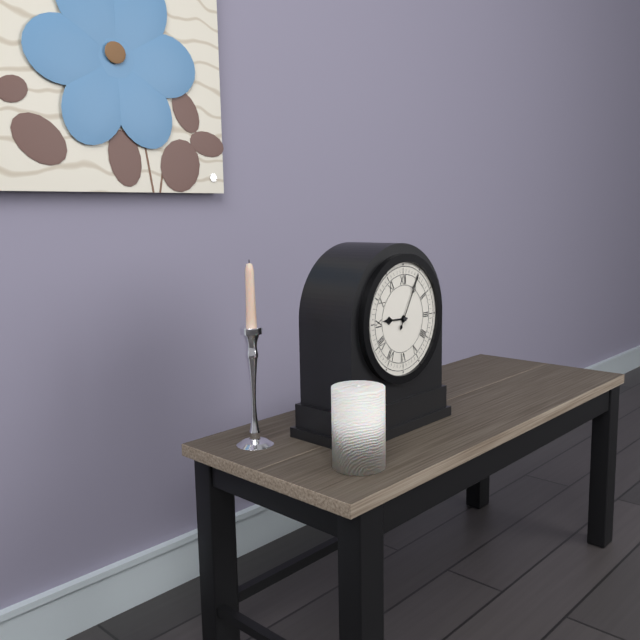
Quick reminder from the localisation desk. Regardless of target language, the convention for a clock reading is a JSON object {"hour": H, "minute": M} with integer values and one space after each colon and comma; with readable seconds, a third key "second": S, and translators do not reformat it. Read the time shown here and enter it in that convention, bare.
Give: {"hour": 9, "minute": 5}
